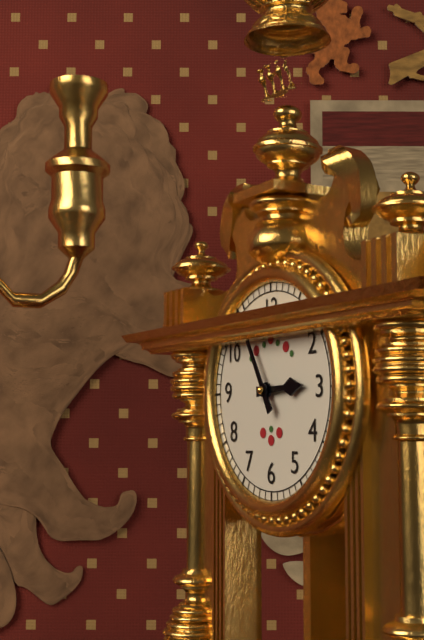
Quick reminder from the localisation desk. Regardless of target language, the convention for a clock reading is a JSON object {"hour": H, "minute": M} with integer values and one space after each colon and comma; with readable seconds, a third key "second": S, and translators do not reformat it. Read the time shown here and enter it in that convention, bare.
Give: {"hour": 2, "minute": 55}
